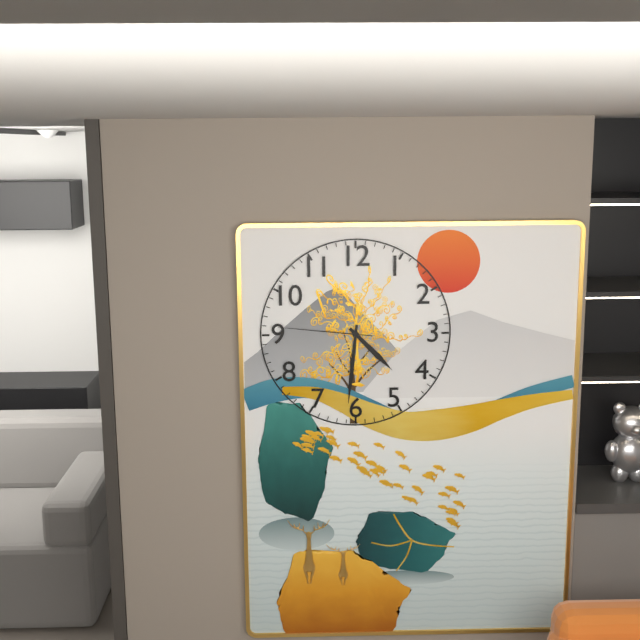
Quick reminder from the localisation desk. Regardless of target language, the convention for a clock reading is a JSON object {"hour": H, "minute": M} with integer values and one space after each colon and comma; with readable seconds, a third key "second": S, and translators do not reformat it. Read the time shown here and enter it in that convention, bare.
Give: {"hour": 4, "minute": 31, "second": 46}
